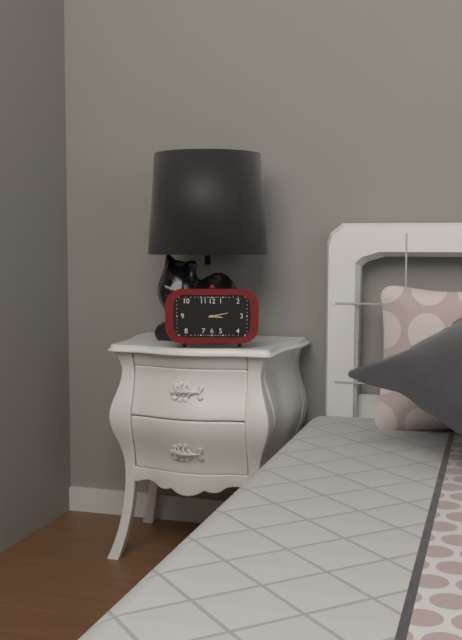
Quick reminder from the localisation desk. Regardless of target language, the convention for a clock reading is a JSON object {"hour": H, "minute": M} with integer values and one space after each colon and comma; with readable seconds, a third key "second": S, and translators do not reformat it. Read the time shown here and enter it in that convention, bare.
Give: {"hour": 3, "minute": 13}
